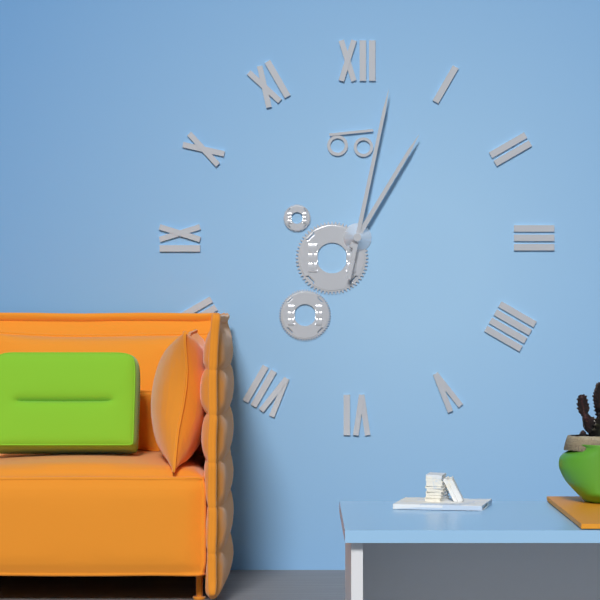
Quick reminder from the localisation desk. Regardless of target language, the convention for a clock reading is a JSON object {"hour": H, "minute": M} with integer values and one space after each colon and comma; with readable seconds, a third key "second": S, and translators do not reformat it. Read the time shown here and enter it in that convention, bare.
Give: {"hour": 1, "minute": 2}
